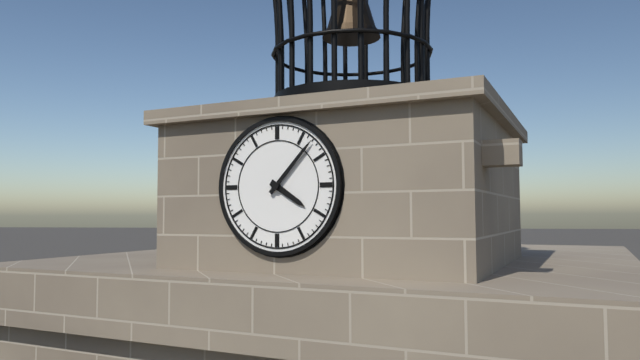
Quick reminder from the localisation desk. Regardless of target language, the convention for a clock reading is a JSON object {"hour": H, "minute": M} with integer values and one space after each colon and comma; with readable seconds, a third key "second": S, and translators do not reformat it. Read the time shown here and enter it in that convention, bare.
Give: {"hour": 4, "minute": 7}
